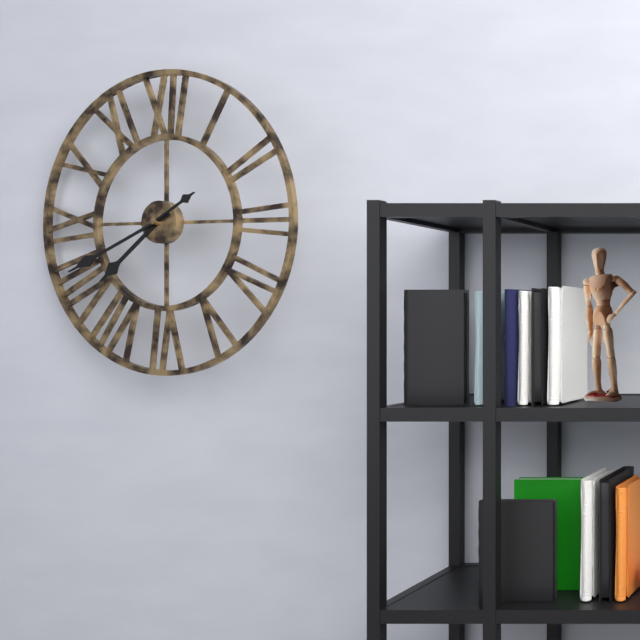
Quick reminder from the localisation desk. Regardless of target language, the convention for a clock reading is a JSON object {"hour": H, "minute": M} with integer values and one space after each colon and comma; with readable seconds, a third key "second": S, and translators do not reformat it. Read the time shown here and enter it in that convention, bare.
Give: {"hour": 7, "minute": 41, "second": 10}
